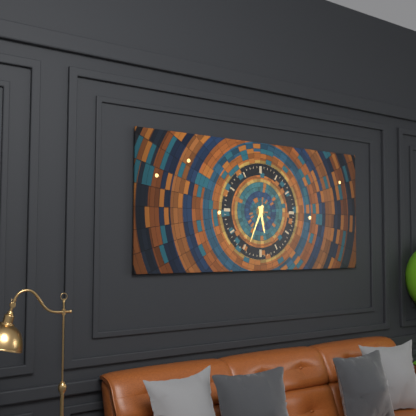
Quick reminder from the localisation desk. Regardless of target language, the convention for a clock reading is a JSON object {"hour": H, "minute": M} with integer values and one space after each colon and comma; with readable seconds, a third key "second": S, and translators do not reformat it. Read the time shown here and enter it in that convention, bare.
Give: {"hour": 5, "minute": 34}
